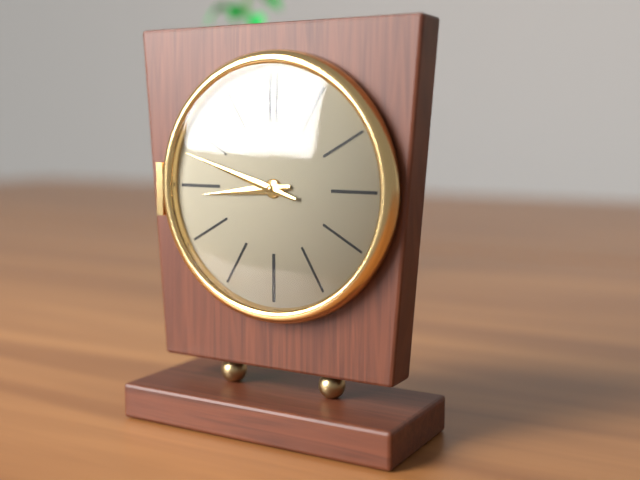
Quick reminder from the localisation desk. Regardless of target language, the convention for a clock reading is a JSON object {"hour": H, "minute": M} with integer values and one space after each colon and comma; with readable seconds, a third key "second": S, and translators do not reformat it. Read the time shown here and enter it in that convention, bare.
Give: {"hour": 8, "minute": 48}
